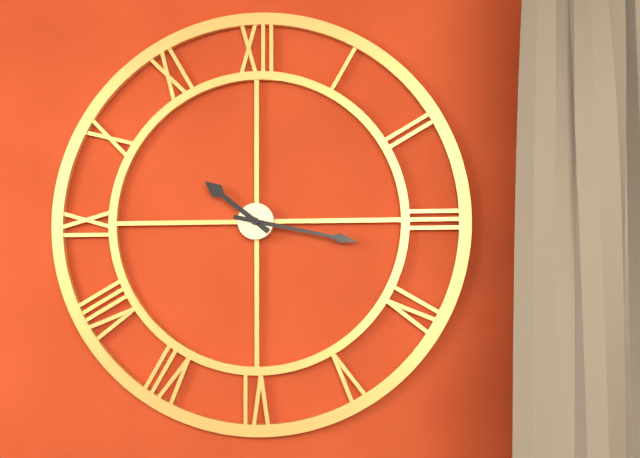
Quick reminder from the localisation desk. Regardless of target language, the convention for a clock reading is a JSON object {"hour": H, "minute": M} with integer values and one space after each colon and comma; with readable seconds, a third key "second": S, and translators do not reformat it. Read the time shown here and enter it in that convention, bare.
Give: {"hour": 10, "minute": 17}
